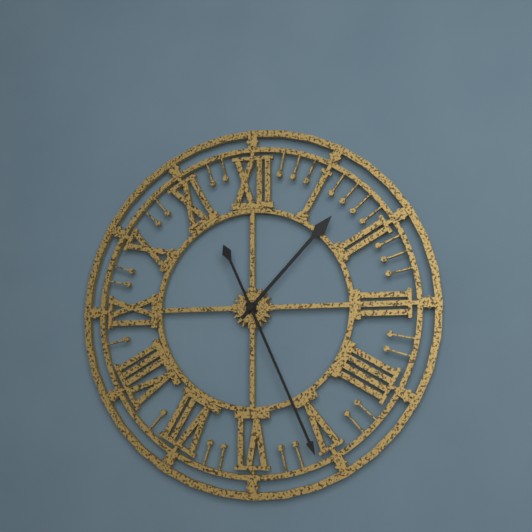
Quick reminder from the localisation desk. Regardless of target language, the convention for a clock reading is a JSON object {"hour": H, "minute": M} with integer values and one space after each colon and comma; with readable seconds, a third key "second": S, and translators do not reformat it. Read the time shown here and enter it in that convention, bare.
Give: {"hour": 1, "minute": 26}
